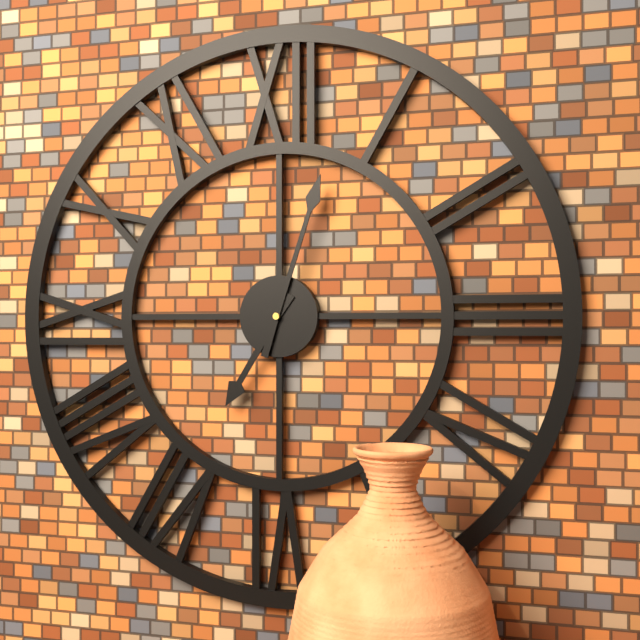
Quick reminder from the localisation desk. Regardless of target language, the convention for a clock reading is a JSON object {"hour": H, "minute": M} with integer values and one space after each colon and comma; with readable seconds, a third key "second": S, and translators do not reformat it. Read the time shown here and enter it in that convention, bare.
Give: {"hour": 7, "minute": 3}
